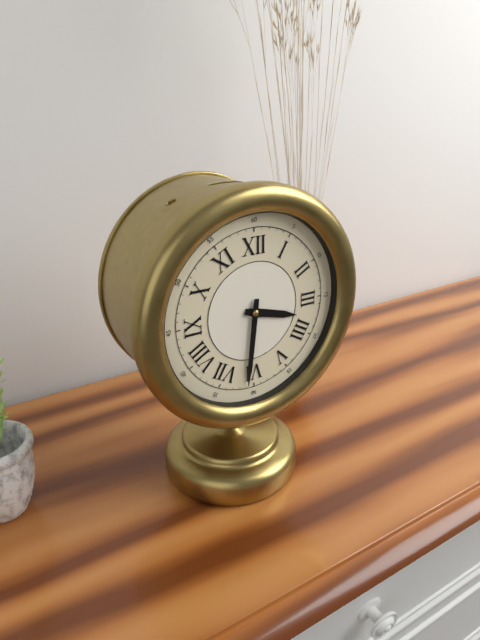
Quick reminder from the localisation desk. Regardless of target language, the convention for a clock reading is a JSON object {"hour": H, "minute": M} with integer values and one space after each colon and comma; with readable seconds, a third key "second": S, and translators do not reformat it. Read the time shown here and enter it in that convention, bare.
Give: {"hour": 3, "minute": 31}
